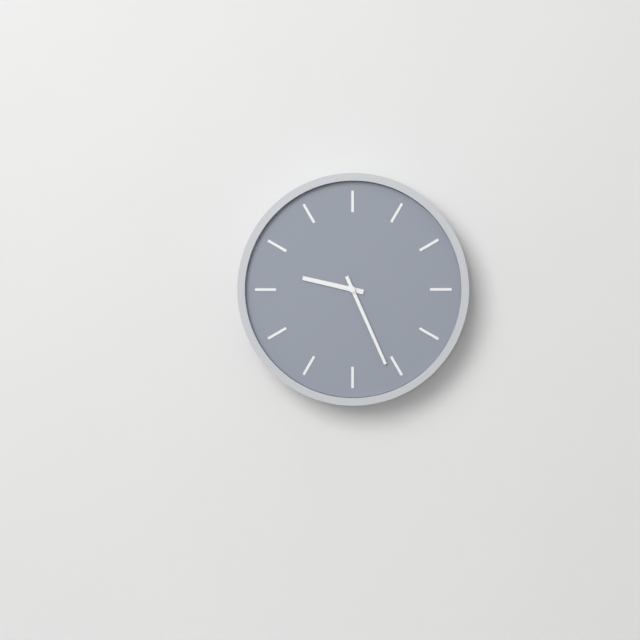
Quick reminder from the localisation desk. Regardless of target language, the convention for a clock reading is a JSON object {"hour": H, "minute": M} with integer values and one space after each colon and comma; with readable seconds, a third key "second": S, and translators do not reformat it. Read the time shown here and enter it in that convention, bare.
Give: {"hour": 9, "minute": 26}
